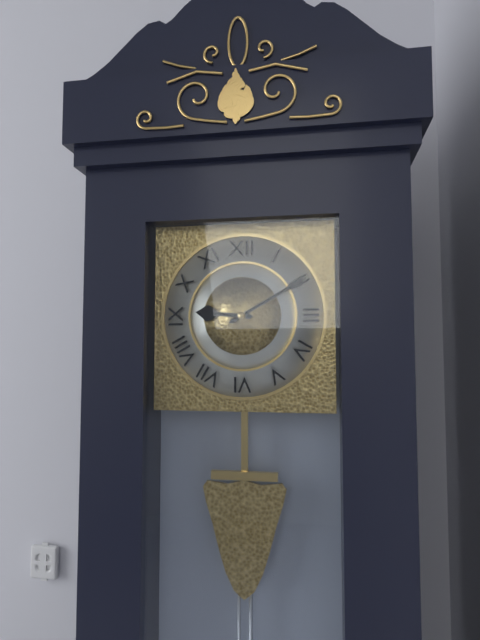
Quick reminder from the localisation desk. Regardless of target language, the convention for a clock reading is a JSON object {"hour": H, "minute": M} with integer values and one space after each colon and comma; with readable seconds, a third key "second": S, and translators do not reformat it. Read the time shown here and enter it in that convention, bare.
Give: {"hour": 9, "minute": 10}
